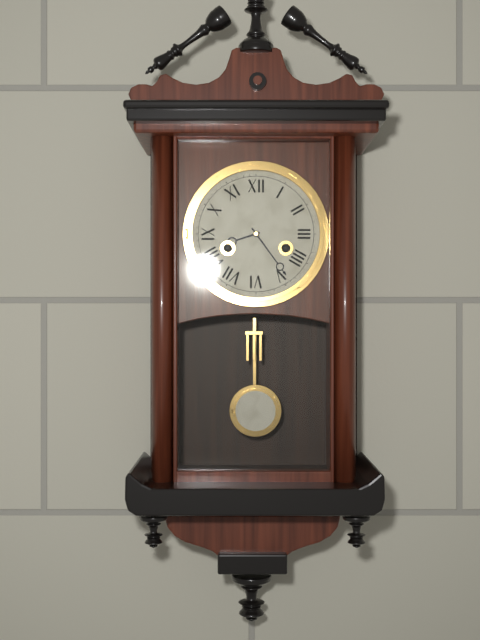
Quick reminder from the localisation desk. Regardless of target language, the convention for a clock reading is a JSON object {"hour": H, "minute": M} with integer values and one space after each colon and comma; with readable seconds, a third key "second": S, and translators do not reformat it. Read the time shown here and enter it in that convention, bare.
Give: {"hour": 8, "minute": 24}
